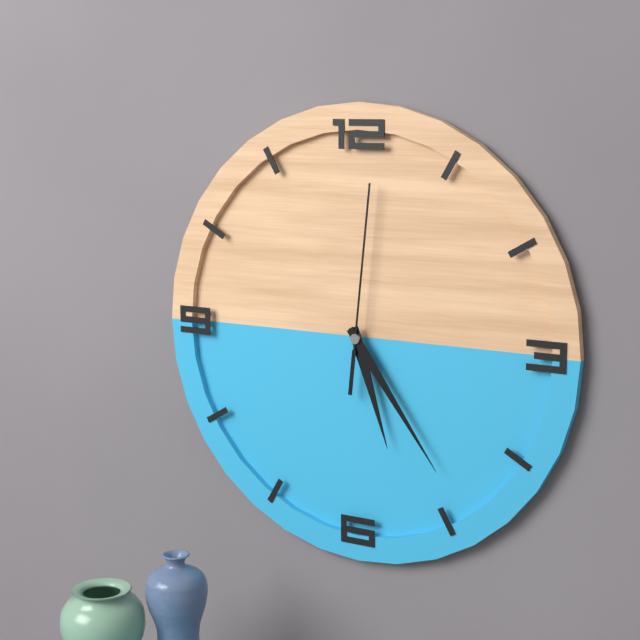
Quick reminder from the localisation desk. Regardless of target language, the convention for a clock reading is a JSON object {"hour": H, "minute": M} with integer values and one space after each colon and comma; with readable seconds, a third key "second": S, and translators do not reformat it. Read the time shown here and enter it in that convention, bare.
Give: {"hour": 5, "minute": 24, "second": 1}
